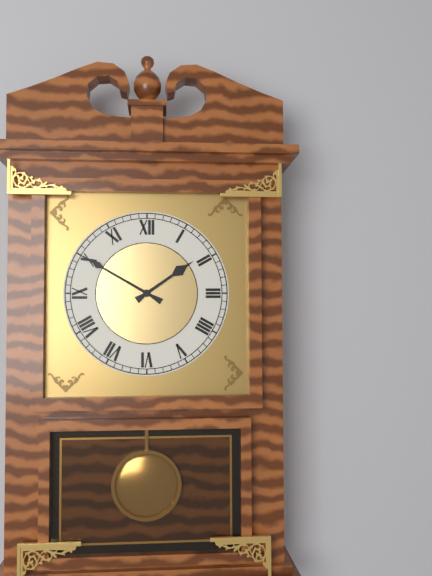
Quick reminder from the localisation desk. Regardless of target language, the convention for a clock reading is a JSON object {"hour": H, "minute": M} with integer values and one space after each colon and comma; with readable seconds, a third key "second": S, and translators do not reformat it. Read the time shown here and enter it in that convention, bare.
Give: {"hour": 1, "minute": 50}
